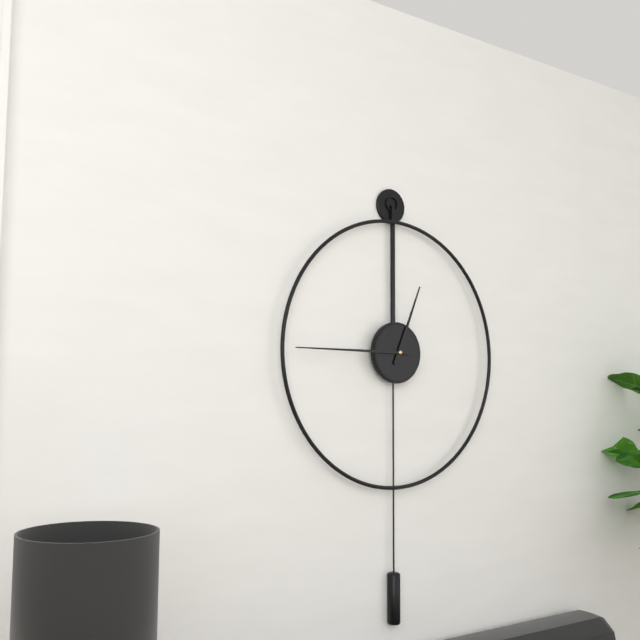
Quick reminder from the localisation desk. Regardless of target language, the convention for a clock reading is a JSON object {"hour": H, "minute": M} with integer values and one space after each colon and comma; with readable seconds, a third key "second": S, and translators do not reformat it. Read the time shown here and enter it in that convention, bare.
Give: {"hour": 12, "minute": 45}
